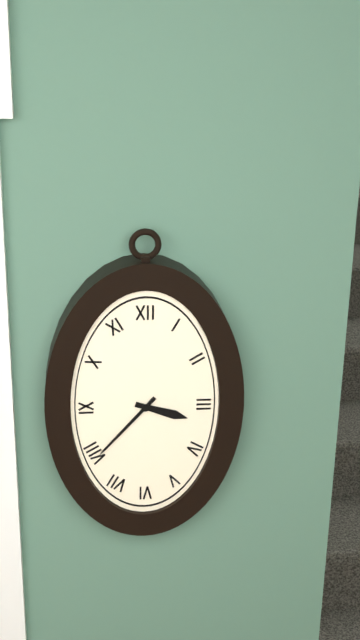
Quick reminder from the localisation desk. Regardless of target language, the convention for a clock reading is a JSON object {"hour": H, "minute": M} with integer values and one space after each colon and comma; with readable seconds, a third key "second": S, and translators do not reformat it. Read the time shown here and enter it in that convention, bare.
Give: {"hour": 3, "minute": 37}
